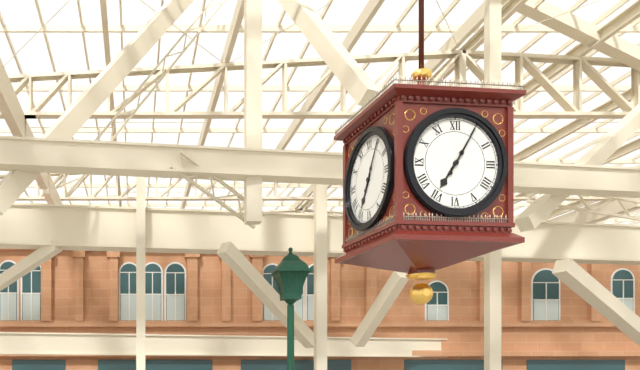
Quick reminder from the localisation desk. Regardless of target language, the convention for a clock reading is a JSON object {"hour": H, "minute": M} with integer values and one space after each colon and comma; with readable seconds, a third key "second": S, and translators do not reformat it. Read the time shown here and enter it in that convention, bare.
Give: {"hour": 7, "minute": 5}
